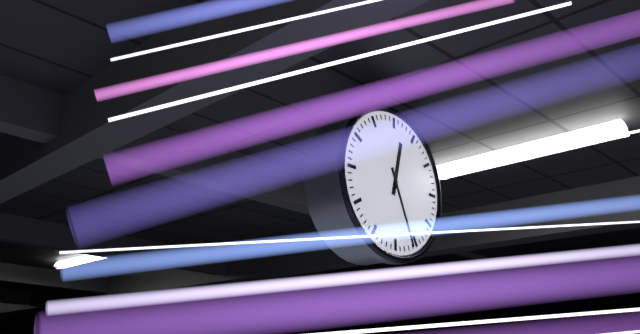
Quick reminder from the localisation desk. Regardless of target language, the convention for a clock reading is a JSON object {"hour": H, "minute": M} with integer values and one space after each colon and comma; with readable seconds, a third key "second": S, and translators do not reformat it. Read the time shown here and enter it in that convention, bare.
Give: {"hour": 12, "minute": 26}
